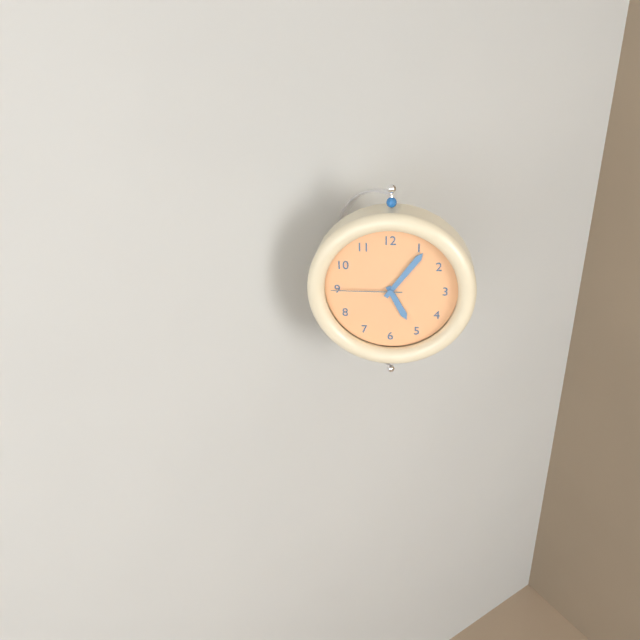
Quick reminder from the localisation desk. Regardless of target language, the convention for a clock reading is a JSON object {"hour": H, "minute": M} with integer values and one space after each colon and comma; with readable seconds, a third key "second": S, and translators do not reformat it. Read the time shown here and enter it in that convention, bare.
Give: {"hour": 5, "minute": 6, "second": 45}
